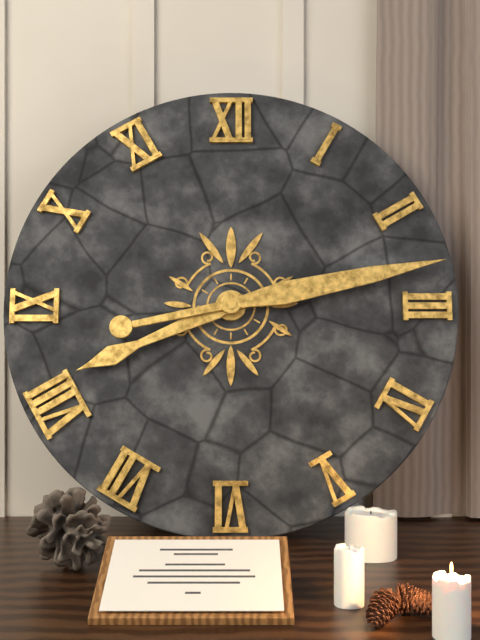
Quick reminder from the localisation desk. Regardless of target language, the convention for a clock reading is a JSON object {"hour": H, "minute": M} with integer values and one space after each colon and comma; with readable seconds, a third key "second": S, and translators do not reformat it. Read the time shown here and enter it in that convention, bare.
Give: {"hour": 8, "minute": 13}
